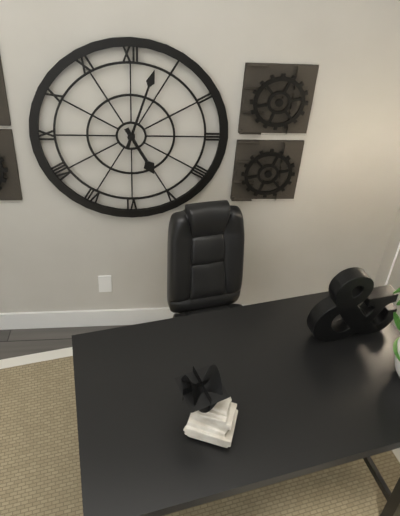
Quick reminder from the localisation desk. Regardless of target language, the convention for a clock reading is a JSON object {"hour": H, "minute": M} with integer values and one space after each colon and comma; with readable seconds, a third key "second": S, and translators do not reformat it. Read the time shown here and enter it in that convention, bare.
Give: {"hour": 5, "minute": 3}
